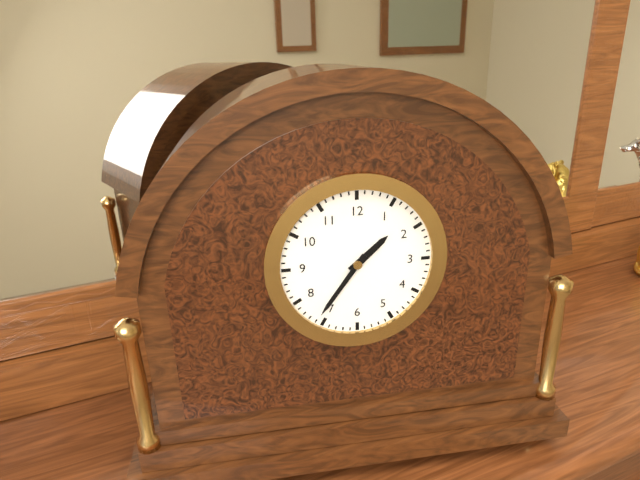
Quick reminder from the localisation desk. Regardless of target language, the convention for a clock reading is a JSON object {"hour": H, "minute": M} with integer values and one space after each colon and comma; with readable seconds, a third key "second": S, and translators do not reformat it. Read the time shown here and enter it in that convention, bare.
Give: {"hour": 1, "minute": 36}
